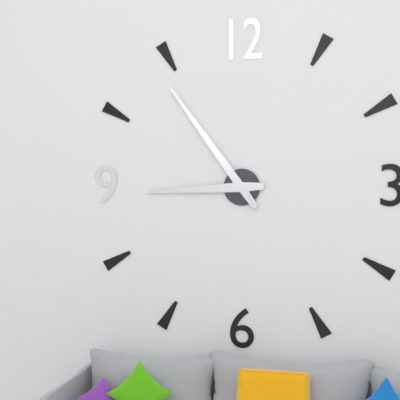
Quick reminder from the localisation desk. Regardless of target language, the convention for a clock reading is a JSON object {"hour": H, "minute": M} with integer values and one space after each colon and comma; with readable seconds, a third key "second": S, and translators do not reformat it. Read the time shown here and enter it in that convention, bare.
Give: {"hour": 8, "minute": 54}
